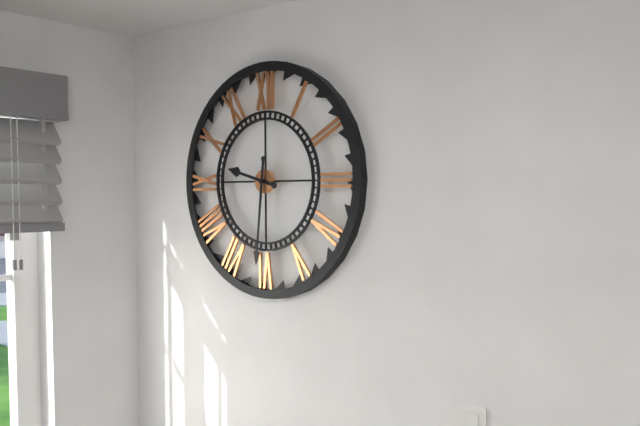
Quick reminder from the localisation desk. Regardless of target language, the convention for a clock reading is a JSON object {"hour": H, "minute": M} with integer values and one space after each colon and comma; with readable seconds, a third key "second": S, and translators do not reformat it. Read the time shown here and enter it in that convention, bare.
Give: {"hour": 9, "minute": 31}
